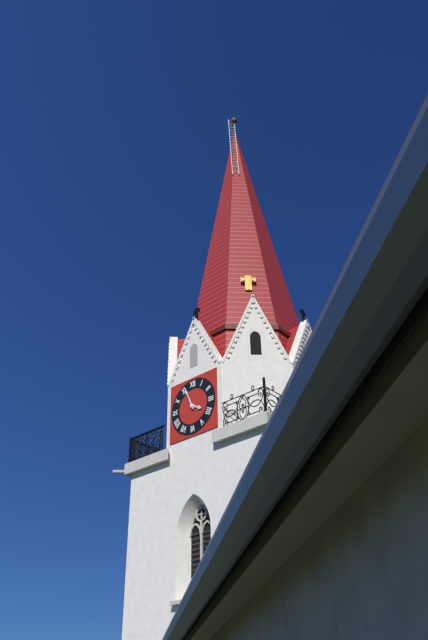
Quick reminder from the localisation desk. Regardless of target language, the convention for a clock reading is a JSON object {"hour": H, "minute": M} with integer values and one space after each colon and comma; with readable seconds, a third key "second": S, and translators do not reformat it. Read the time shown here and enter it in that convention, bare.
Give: {"hour": 3, "minute": 56}
